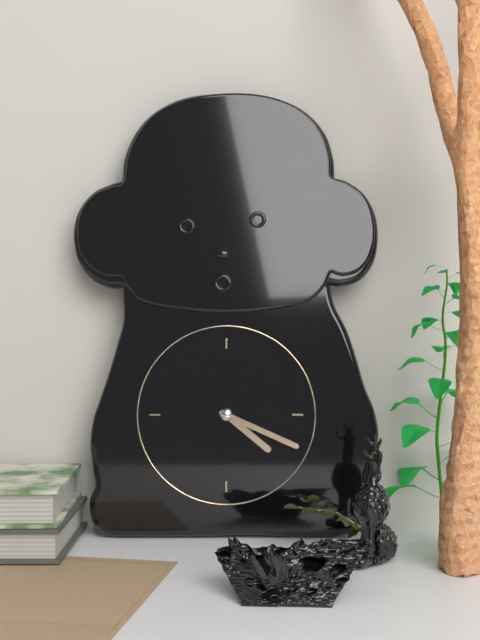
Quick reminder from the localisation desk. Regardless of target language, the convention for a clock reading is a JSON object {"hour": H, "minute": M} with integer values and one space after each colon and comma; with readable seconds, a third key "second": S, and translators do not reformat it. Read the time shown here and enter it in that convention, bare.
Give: {"hour": 4, "minute": 19}
